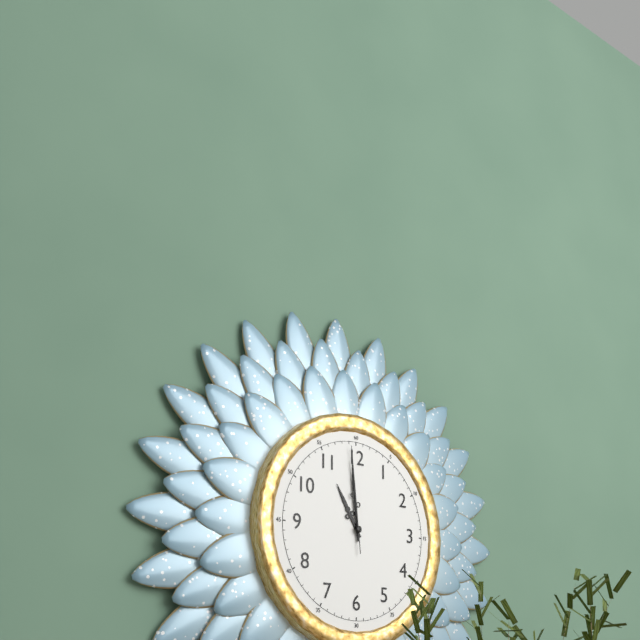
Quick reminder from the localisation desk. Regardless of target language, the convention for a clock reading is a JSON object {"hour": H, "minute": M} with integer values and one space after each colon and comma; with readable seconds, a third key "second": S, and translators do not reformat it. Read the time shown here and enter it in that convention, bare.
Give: {"hour": 10, "minute": 59, "second": 59}
